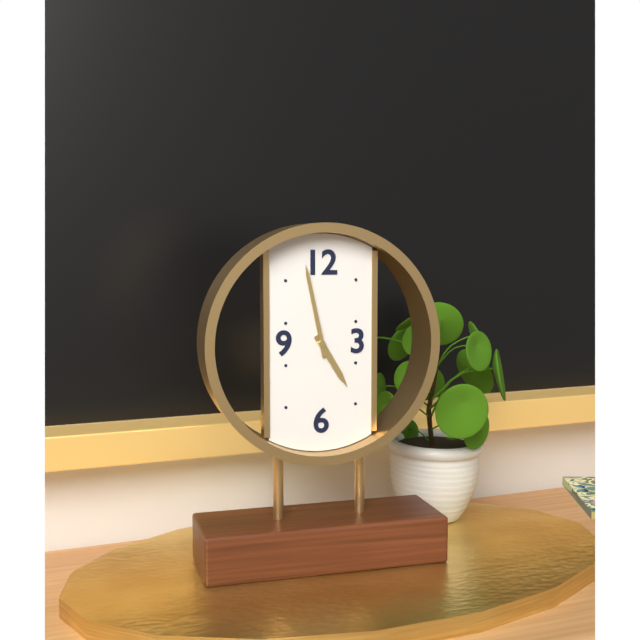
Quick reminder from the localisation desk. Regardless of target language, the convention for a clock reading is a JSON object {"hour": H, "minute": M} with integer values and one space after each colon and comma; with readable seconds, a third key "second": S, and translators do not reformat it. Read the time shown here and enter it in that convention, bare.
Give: {"hour": 4, "minute": 58}
